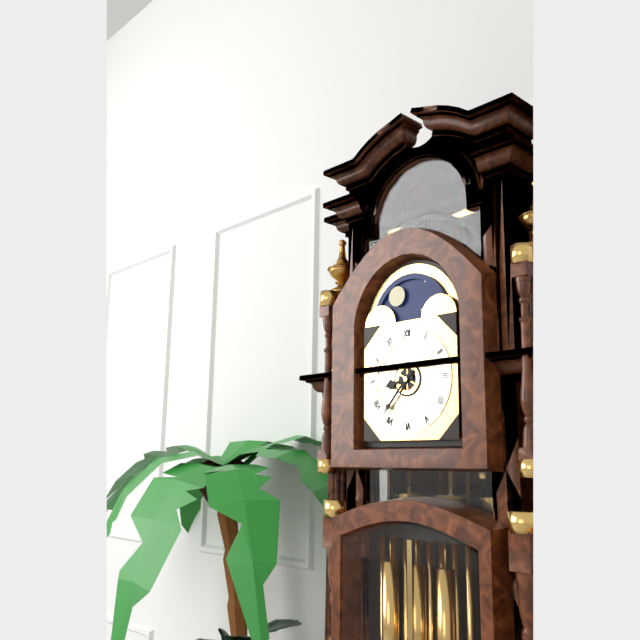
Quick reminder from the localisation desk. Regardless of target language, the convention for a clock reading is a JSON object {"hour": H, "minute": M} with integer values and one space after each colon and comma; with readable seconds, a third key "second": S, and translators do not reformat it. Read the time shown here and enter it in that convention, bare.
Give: {"hour": 8, "minute": 37}
